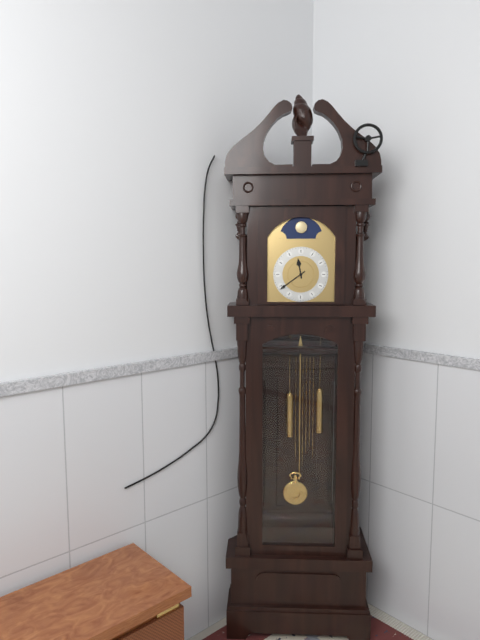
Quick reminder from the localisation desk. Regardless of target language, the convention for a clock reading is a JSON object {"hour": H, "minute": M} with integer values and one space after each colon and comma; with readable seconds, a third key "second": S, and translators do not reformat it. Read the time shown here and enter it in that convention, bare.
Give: {"hour": 11, "minute": 39}
